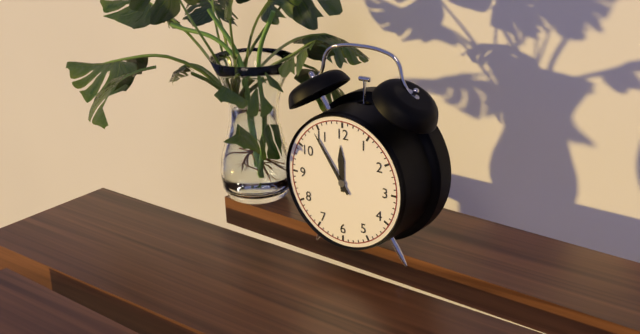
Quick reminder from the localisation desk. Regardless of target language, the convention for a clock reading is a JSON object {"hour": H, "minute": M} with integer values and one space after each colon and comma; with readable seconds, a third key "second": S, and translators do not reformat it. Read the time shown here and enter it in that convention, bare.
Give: {"hour": 11, "minute": 54}
